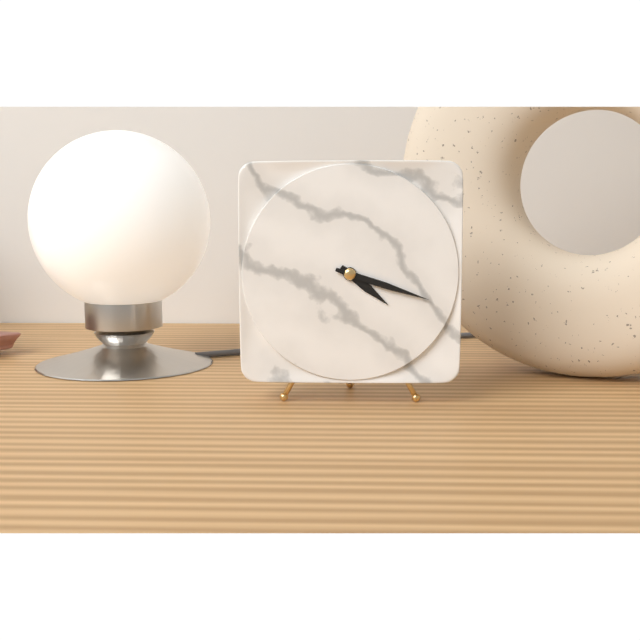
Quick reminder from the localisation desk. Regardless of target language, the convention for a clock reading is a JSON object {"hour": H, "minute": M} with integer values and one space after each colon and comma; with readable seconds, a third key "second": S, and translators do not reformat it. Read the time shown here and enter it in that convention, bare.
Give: {"hour": 4, "minute": 18}
